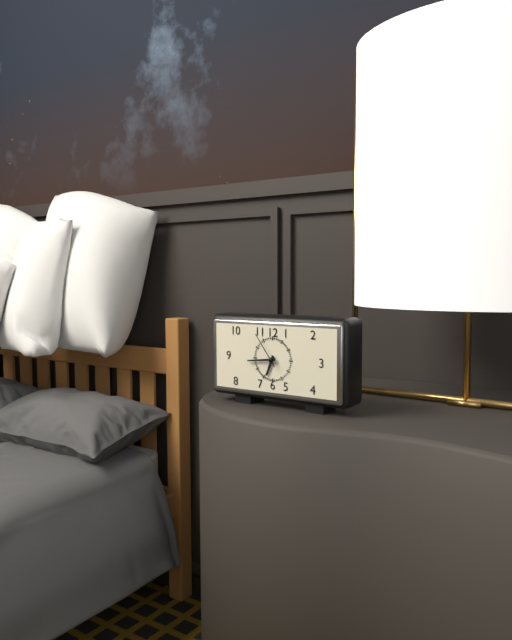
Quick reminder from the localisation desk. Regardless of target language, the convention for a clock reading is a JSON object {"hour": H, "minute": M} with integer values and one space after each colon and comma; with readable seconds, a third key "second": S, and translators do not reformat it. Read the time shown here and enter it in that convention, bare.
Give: {"hour": 6, "minute": 44}
